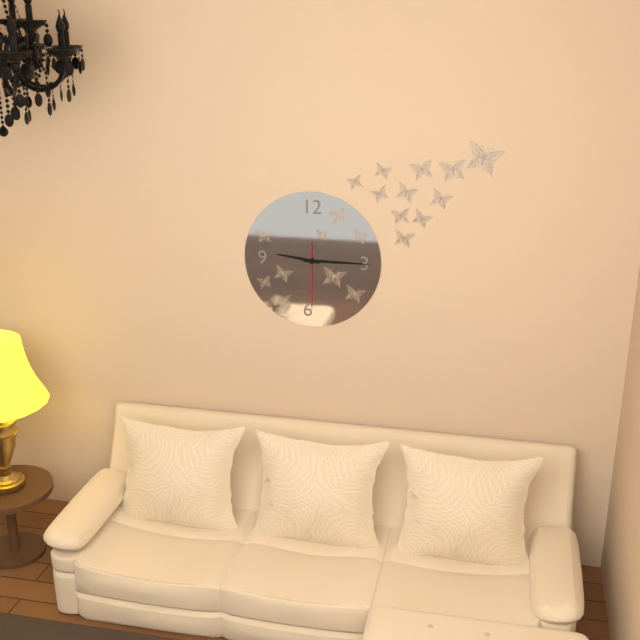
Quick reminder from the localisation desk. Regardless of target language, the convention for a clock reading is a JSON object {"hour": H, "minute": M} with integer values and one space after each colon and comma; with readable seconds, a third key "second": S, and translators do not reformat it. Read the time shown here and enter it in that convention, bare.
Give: {"hour": 9, "minute": 15, "second": 30}
